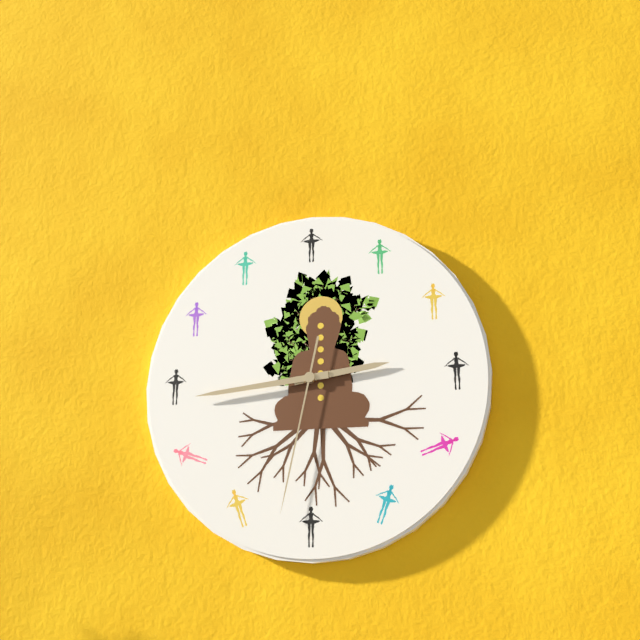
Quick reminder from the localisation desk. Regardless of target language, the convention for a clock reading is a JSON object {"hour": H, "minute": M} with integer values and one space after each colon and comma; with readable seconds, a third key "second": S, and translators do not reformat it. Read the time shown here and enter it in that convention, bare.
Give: {"hour": 2, "minute": 44, "second": 32}
